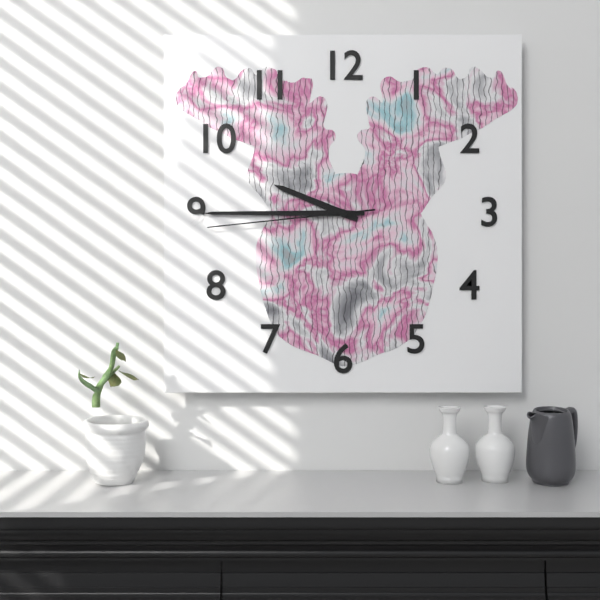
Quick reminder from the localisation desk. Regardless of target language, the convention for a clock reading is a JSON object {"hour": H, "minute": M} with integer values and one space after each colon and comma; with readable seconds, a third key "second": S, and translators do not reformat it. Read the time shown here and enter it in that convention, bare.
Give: {"hour": 9, "minute": 45, "second": 44}
